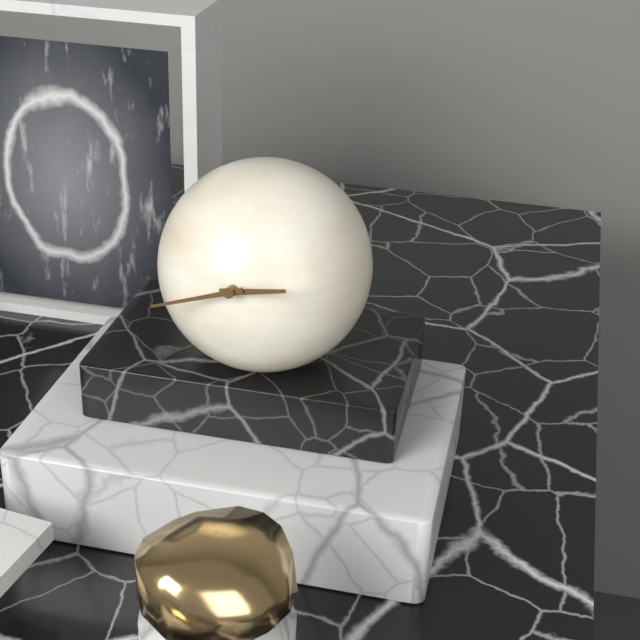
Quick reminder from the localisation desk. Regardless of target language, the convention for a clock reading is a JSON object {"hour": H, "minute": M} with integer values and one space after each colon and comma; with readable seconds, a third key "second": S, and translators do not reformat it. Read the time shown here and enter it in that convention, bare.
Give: {"hour": 2, "minute": 42}
